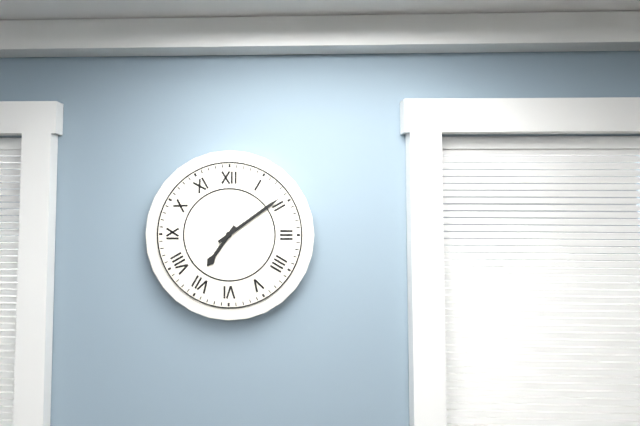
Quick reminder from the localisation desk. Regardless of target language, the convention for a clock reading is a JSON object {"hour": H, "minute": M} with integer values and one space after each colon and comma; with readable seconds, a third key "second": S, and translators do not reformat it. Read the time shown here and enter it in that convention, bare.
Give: {"hour": 7, "minute": 9}
